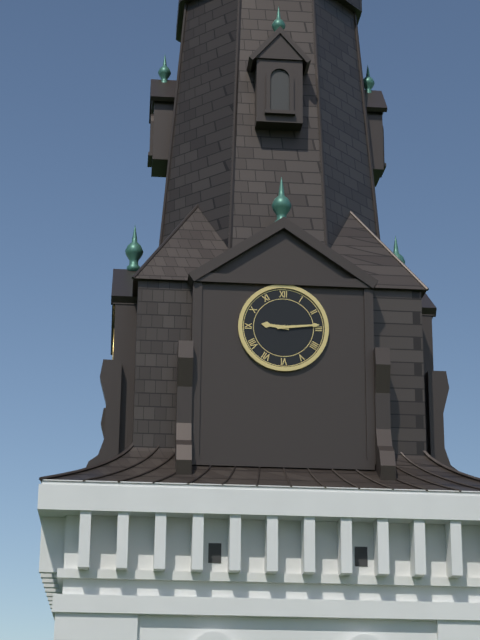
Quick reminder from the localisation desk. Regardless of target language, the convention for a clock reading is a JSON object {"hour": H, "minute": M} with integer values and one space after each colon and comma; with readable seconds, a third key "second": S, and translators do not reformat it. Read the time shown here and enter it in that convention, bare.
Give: {"hour": 9, "minute": 14}
